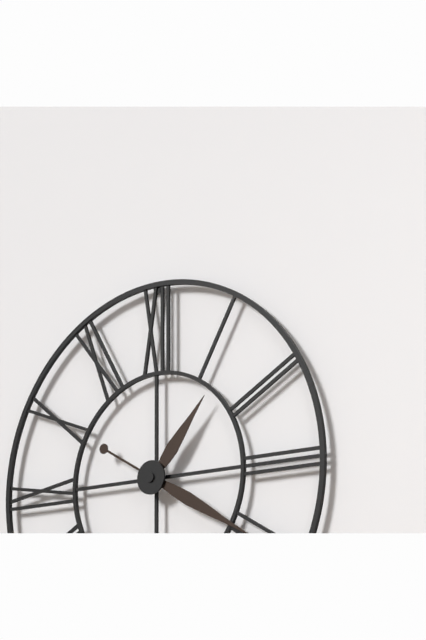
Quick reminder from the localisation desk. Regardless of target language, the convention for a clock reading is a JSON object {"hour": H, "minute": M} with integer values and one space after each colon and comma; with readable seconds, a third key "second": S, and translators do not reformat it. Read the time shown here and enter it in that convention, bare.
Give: {"hour": 1, "minute": 20}
